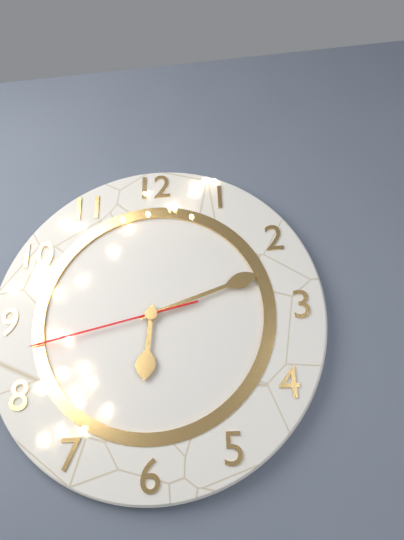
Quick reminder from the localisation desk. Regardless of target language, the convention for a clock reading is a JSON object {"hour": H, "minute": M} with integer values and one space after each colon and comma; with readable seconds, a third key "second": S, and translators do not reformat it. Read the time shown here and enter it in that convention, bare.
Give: {"hour": 6, "minute": 12, "second": 43}
